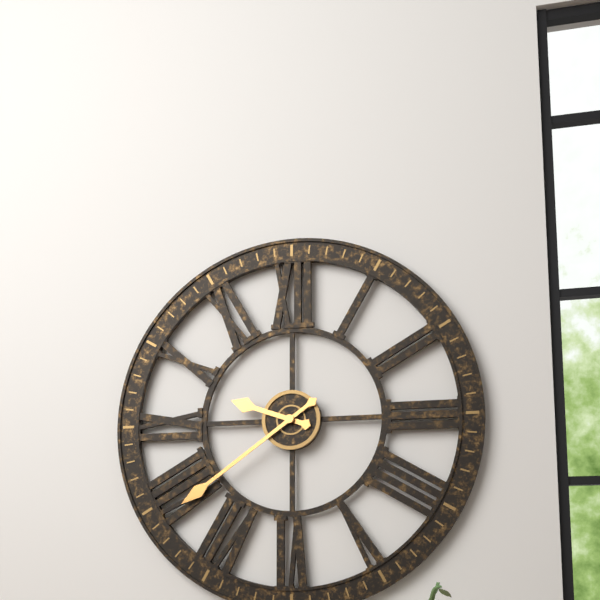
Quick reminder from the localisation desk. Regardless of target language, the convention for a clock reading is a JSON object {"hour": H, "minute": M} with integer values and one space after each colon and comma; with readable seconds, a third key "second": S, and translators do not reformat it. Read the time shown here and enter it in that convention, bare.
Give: {"hour": 9, "minute": 39}
